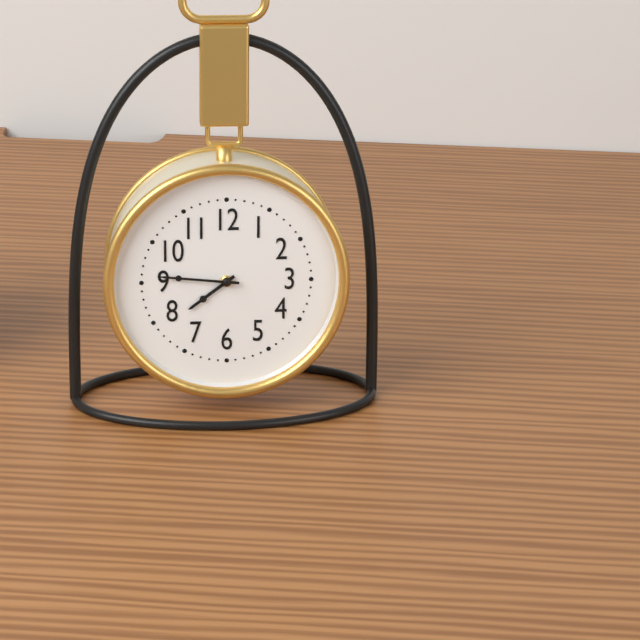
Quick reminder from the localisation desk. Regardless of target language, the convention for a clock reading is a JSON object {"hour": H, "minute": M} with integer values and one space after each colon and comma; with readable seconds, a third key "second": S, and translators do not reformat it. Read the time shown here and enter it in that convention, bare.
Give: {"hour": 7, "minute": 46}
